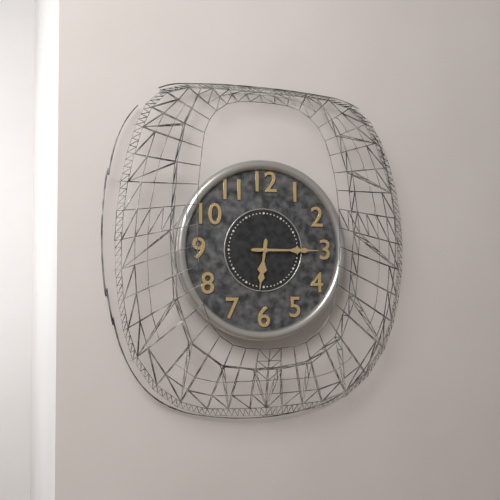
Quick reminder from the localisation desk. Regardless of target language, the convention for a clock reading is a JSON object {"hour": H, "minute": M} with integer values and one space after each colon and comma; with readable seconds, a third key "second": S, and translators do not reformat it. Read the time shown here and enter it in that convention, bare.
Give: {"hour": 6, "minute": 15}
